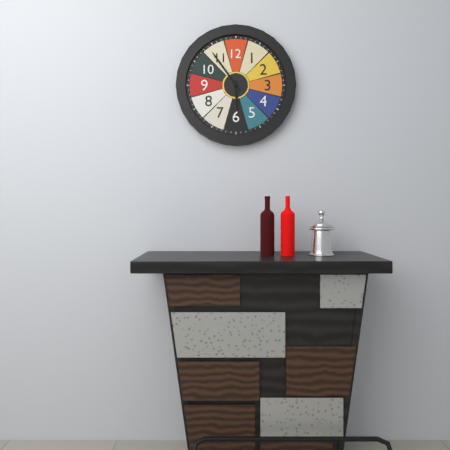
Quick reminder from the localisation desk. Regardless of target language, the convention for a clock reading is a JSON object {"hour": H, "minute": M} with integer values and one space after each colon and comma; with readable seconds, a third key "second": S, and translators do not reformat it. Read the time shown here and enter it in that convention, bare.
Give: {"hour": 5, "minute": 54}
